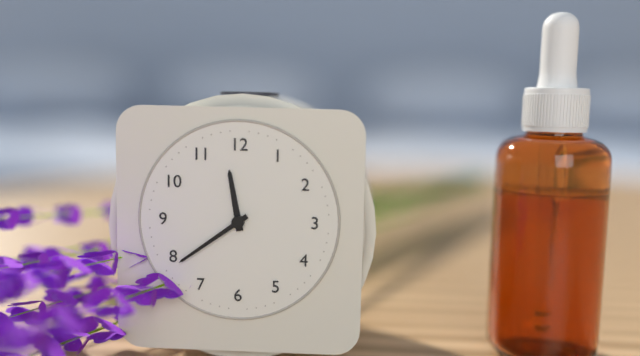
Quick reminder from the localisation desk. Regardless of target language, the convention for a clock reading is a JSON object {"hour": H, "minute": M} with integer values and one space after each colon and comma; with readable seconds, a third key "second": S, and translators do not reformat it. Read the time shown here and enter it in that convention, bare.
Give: {"hour": 11, "minute": 39}
